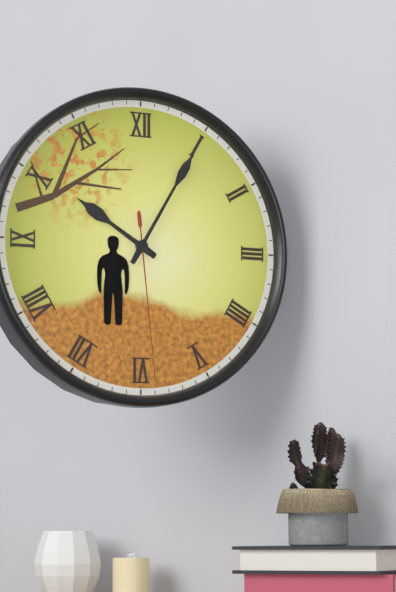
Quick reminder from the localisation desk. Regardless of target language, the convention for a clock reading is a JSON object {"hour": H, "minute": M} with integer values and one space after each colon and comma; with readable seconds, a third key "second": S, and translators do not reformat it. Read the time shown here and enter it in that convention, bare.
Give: {"hour": 10, "minute": 5, "second": 29}
